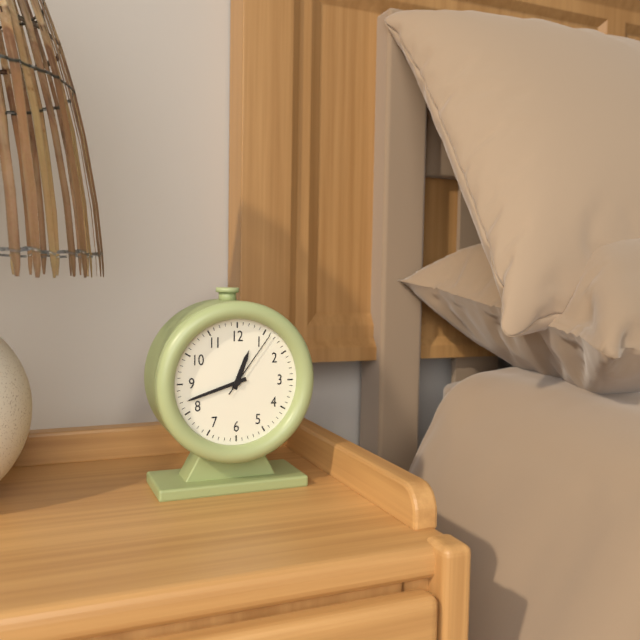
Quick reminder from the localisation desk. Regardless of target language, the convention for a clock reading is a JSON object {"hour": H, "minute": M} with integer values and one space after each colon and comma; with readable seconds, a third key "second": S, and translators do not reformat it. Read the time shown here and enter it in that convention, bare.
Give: {"hour": 12, "minute": 42, "second": 6}
